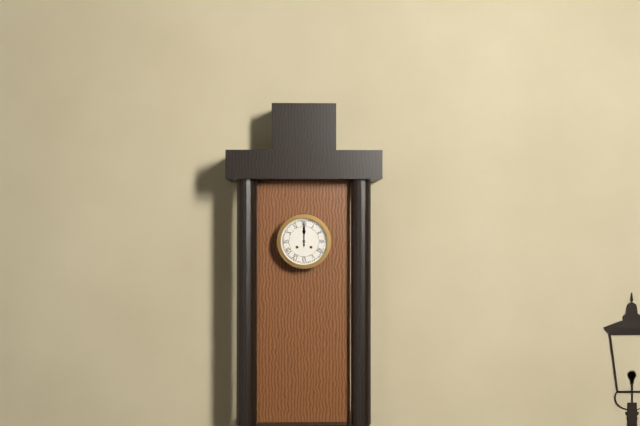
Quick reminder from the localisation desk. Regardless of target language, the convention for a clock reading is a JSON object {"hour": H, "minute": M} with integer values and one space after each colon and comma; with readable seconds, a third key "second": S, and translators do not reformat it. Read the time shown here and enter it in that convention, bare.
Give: {"hour": 12, "minute": 0}
